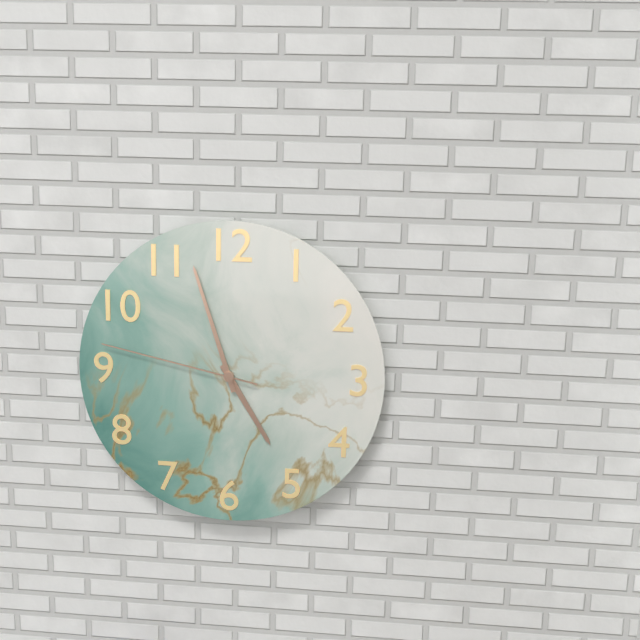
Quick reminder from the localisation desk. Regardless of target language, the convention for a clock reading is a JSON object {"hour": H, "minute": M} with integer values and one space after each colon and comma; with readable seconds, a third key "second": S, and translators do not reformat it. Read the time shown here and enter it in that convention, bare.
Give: {"hour": 4, "minute": 57, "second": 47}
